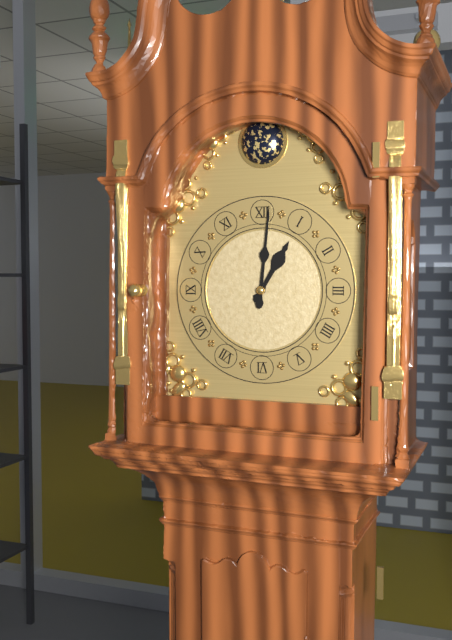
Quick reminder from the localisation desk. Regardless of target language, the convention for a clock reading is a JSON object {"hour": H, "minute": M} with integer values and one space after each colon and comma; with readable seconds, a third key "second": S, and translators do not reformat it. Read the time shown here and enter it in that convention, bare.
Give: {"hour": 1, "minute": 1}
